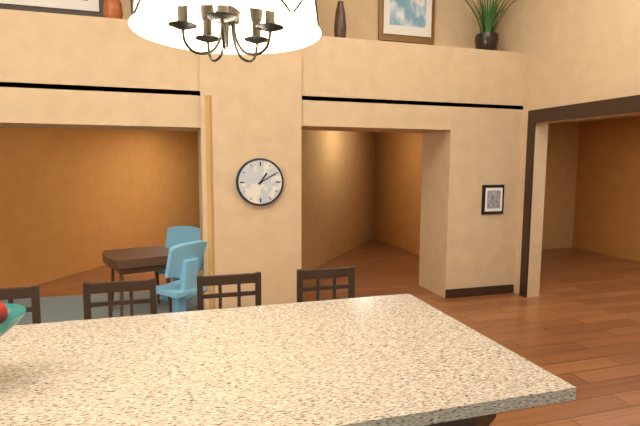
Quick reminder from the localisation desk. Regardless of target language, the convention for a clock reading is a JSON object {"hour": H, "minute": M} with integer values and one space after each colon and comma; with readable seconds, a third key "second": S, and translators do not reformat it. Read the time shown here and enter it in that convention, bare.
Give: {"hour": 1, "minute": 10}
